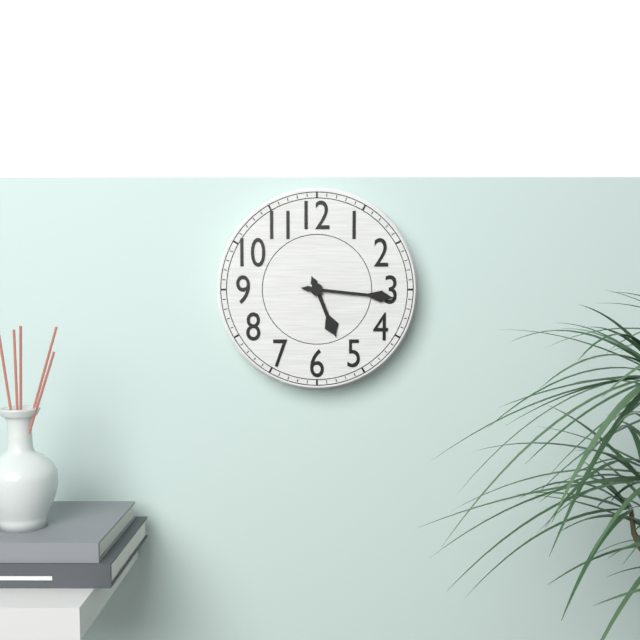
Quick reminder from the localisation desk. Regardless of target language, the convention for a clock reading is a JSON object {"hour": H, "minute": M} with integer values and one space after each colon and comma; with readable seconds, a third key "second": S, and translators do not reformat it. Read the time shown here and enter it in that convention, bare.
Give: {"hour": 5, "minute": 16}
